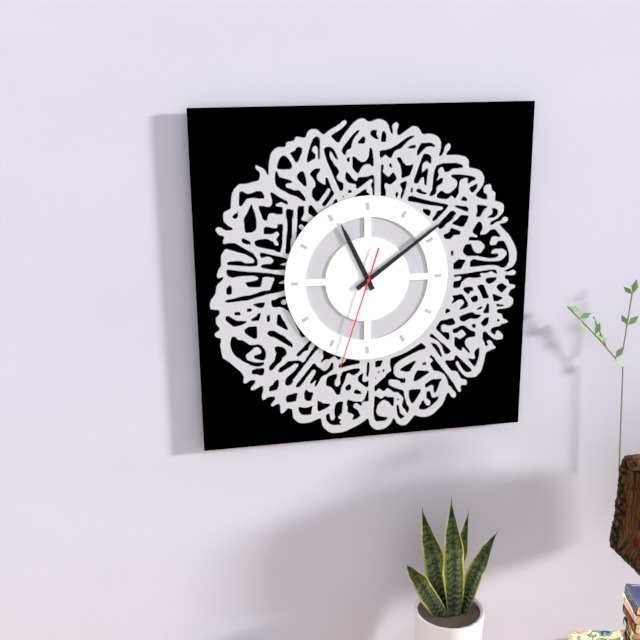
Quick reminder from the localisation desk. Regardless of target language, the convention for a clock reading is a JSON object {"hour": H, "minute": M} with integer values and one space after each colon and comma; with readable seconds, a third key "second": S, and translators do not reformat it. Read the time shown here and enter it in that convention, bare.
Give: {"hour": 11, "minute": 9, "second": 33}
